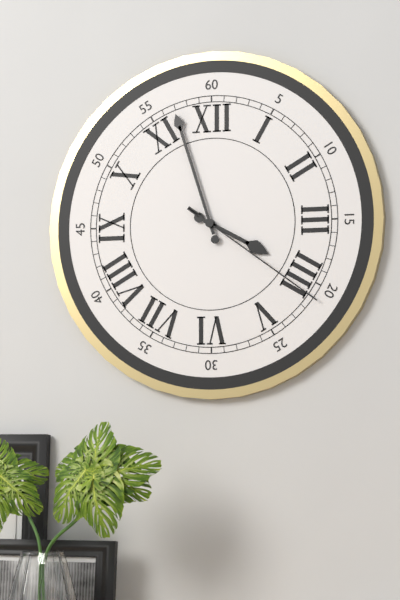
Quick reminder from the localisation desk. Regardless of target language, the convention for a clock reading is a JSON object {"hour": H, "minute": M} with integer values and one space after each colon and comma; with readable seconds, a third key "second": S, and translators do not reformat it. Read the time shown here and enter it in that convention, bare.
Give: {"hour": 3, "minute": 57, "second": 21}
